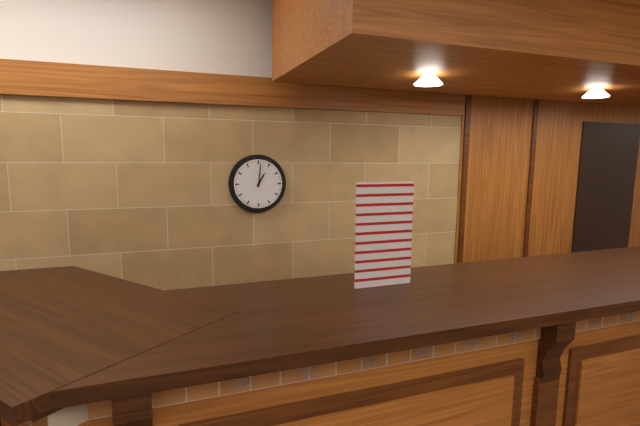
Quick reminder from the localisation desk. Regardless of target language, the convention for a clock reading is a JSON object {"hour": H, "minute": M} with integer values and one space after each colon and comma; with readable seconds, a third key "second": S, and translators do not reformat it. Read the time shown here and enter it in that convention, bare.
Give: {"hour": 1, "minute": 1}
